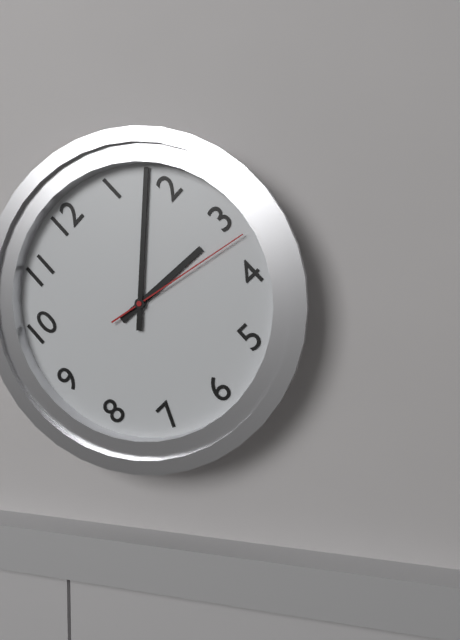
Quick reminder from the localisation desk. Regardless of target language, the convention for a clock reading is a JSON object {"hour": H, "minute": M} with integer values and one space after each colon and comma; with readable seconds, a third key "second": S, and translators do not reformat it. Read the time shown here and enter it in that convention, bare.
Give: {"hour": 3, "minute": 8, "second": 17}
